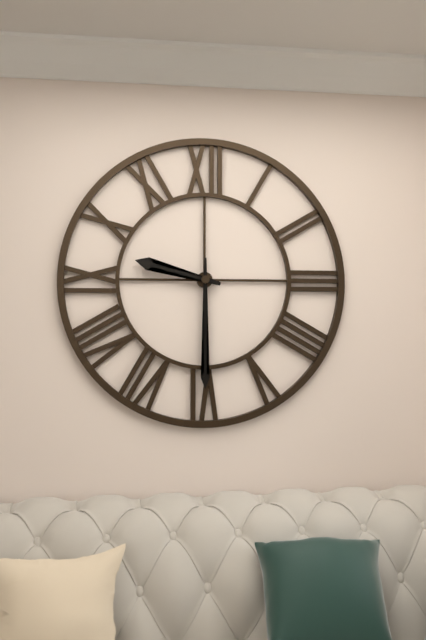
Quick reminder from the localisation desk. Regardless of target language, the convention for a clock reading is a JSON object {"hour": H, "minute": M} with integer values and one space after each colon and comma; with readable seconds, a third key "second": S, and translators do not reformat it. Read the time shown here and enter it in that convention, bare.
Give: {"hour": 9, "minute": 30}
